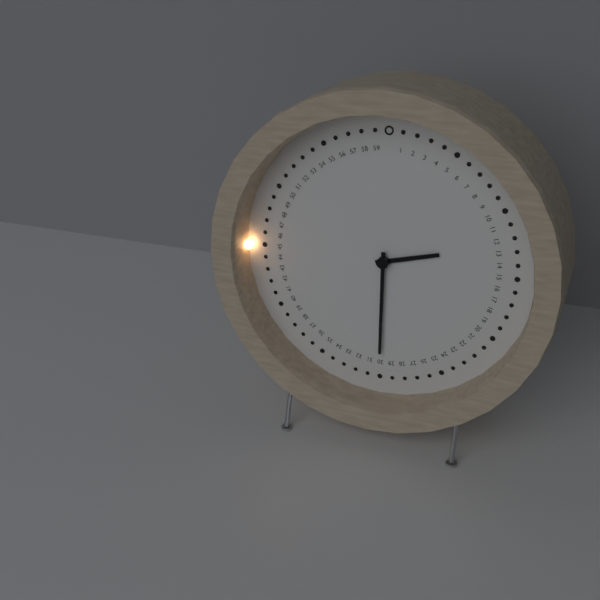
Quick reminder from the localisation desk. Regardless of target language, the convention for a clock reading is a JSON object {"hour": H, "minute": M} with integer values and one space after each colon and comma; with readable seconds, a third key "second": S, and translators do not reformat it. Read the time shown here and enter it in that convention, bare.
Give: {"hour": 2, "minute": 30}
